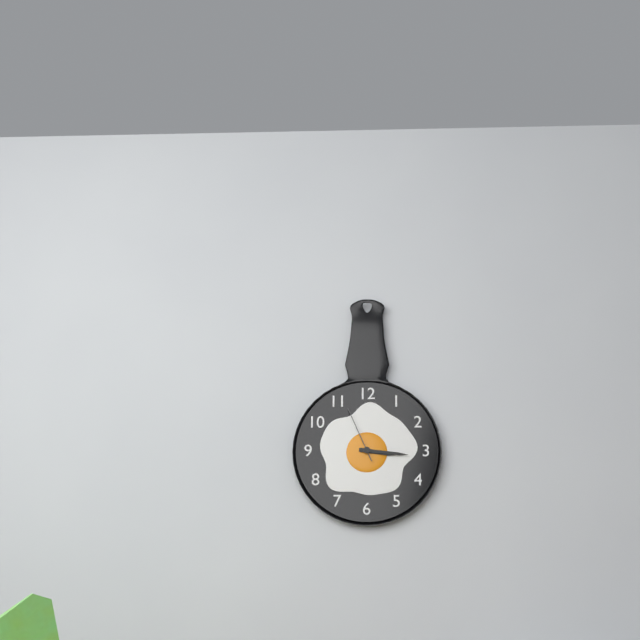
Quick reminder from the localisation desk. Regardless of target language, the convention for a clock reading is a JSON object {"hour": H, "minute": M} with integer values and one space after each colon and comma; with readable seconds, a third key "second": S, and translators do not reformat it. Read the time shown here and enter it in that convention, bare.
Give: {"hour": 3, "minute": 16, "second": 56}
